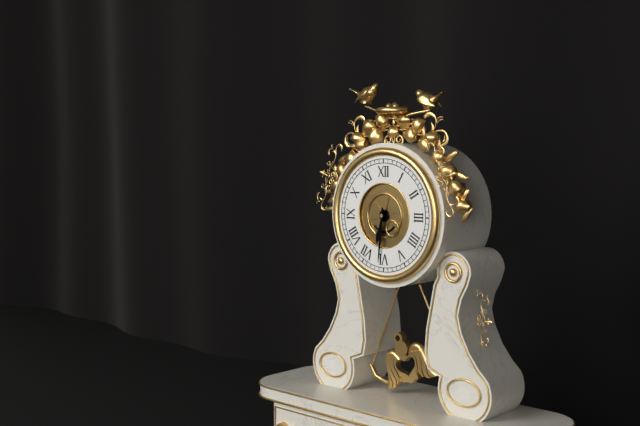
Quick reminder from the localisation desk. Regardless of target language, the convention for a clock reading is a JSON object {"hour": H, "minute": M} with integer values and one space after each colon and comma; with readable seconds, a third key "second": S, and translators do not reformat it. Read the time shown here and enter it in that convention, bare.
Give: {"hour": 6, "minute": 31}
